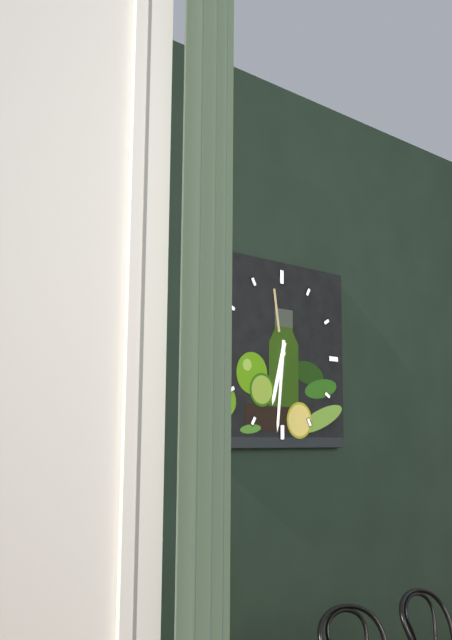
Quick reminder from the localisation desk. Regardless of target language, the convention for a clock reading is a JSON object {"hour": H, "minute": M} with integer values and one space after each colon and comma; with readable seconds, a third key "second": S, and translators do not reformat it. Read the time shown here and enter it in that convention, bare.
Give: {"hour": 6, "minute": 31}
